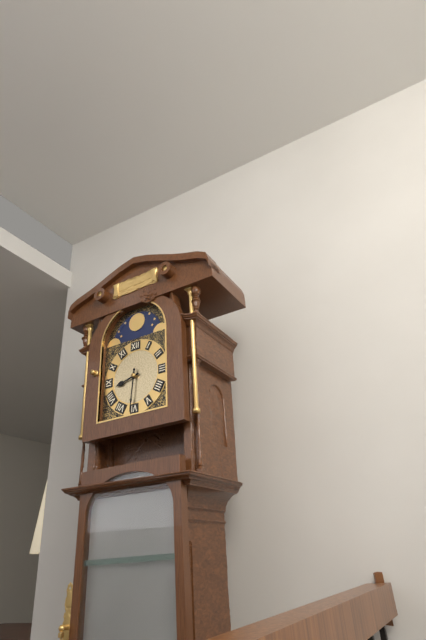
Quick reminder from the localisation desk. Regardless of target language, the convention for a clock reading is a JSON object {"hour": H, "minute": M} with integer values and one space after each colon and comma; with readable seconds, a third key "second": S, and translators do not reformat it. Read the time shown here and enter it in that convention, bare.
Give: {"hour": 8, "minute": 31}
